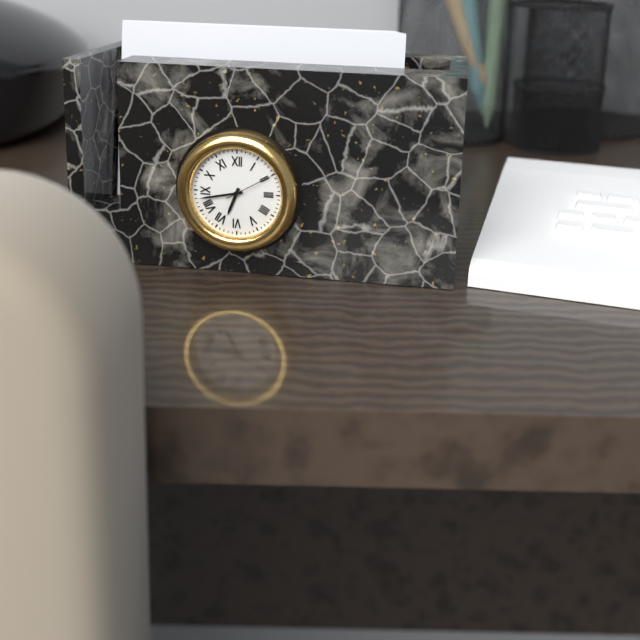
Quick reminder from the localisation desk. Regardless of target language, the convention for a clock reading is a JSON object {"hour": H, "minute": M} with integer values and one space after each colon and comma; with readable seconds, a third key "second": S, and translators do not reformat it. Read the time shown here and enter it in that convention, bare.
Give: {"hour": 6, "minute": 43}
